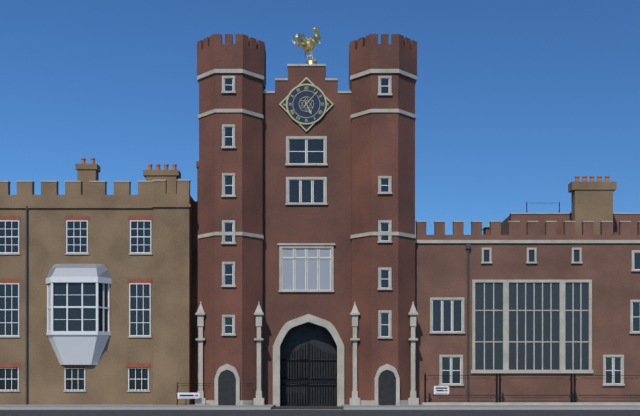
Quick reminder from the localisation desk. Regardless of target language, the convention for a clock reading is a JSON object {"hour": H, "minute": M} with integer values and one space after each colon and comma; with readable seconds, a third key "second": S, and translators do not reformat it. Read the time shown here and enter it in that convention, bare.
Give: {"hour": 5, "minute": 7}
